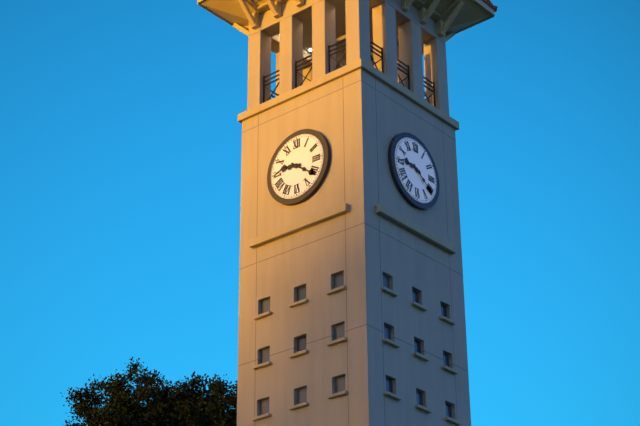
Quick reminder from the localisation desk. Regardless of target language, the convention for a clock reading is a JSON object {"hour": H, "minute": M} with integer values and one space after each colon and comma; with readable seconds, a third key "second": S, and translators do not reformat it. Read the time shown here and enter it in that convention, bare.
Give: {"hour": 9, "minute": 21}
